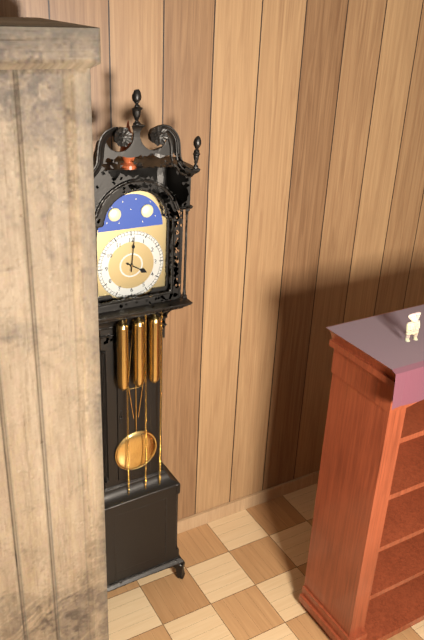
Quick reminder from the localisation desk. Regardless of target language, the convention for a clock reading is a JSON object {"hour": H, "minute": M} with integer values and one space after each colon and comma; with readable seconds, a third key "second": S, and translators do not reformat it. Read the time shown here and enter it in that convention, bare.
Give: {"hour": 4, "minute": 1}
